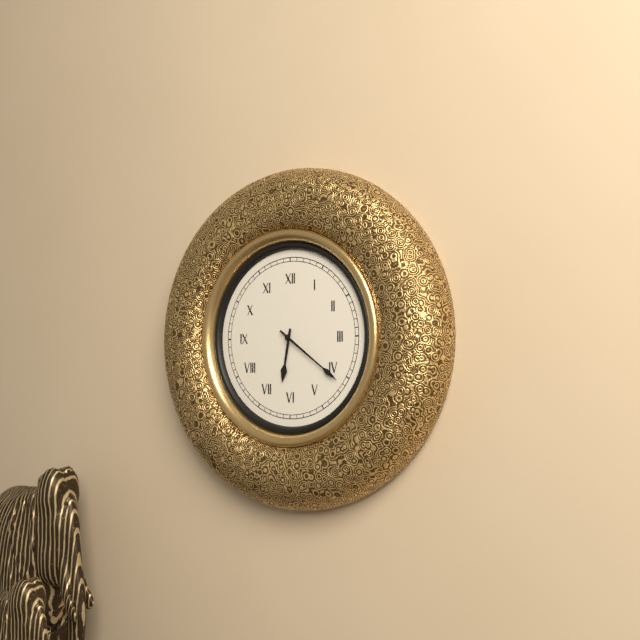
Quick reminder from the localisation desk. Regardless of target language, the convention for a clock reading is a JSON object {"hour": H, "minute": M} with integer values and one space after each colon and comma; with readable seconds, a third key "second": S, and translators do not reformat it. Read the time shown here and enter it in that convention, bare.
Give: {"hour": 6, "minute": 21}
